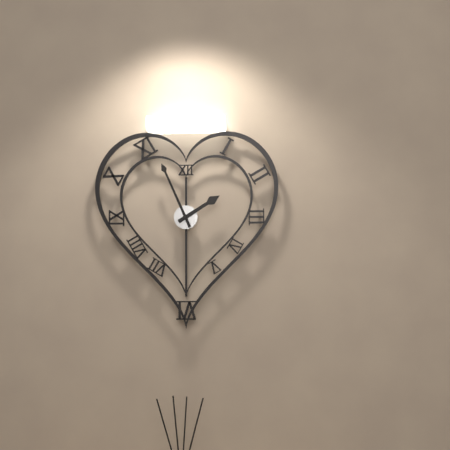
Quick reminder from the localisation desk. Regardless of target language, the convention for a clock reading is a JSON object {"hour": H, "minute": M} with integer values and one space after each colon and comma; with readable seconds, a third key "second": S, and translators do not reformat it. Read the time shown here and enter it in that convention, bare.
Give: {"hour": 1, "minute": 56}
